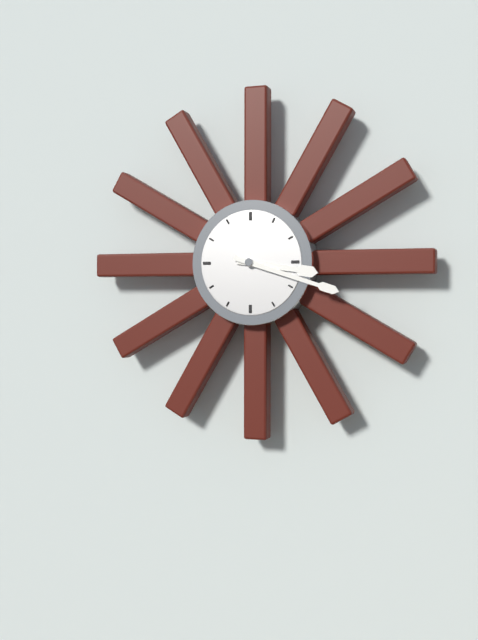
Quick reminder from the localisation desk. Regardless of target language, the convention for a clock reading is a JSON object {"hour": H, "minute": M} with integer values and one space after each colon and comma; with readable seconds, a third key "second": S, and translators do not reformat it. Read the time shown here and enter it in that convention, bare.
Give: {"hour": 3, "minute": 18}
